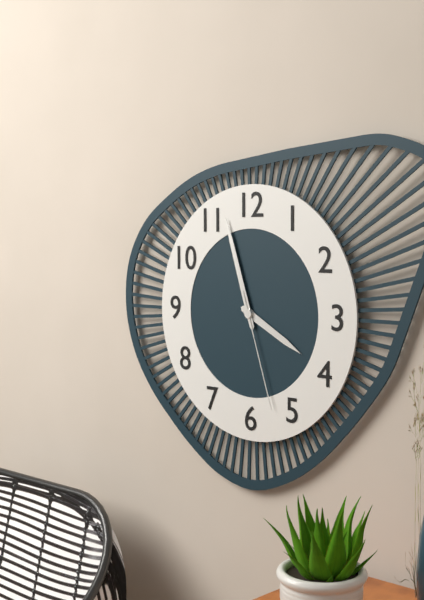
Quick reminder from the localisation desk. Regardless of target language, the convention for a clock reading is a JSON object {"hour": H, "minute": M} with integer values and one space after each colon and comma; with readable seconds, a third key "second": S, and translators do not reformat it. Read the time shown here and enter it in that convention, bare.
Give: {"hour": 3, "minute": 57, "second": 27}
